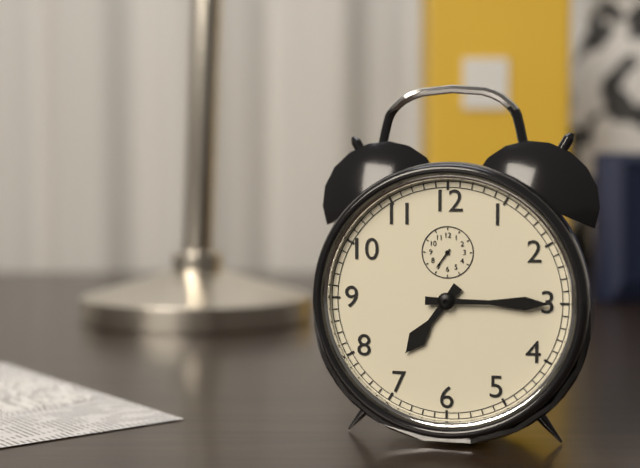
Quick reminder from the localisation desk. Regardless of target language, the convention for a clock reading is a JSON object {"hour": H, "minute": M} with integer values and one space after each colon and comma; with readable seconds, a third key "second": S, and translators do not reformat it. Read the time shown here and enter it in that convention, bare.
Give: {"hour": 7, "minute": 15}
